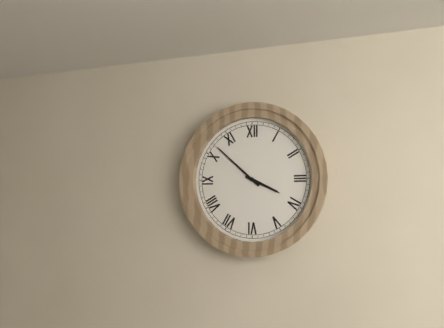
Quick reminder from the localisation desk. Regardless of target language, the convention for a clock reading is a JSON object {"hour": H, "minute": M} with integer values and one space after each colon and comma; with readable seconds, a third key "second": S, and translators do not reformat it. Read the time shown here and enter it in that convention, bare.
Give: {"hour": 3, "minute": 52}
